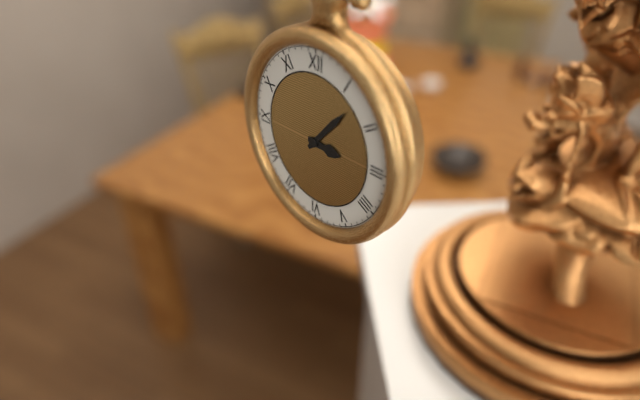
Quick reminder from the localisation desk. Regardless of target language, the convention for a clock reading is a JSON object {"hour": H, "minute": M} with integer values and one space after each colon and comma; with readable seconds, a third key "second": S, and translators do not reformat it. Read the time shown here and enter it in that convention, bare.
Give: {"hour": 3, "minute": 7}
